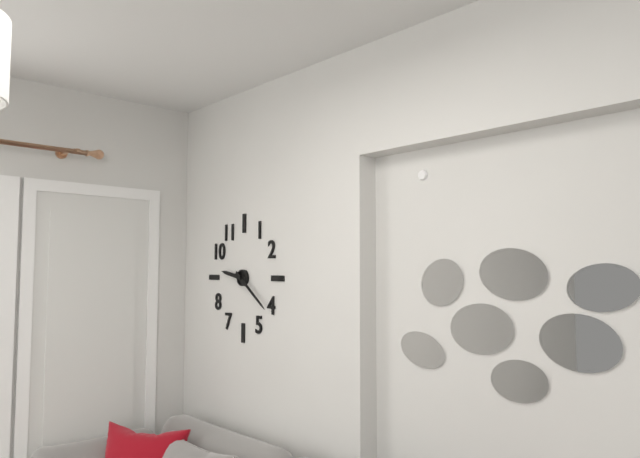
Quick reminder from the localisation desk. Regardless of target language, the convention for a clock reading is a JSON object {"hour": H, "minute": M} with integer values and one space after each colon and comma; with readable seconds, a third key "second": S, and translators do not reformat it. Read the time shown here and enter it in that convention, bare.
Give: {"hour": 9, "minute": 21}
